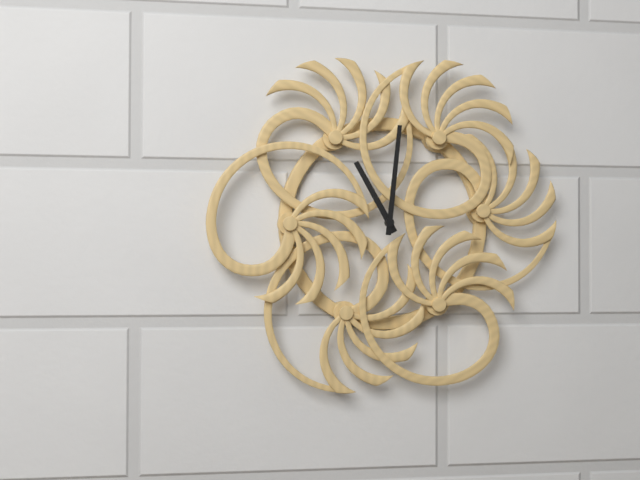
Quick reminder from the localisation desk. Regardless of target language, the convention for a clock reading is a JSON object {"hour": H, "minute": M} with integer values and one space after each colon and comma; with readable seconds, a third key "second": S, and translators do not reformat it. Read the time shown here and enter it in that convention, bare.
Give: {"hour": 11, "minute": 1}
